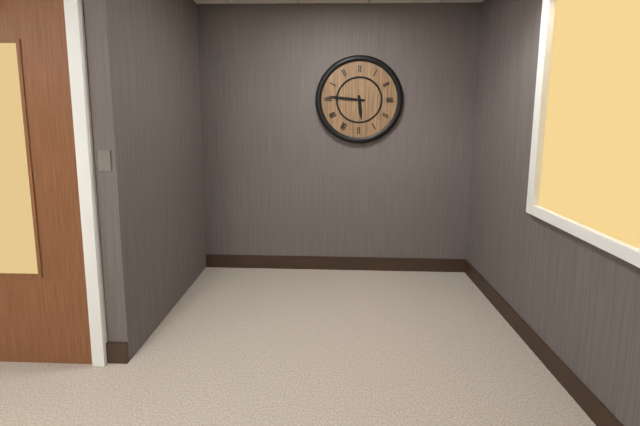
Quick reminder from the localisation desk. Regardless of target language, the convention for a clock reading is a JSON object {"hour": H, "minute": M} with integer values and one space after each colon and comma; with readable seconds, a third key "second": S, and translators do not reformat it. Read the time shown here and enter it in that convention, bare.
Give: {"hour": 5, "minute": 46}
